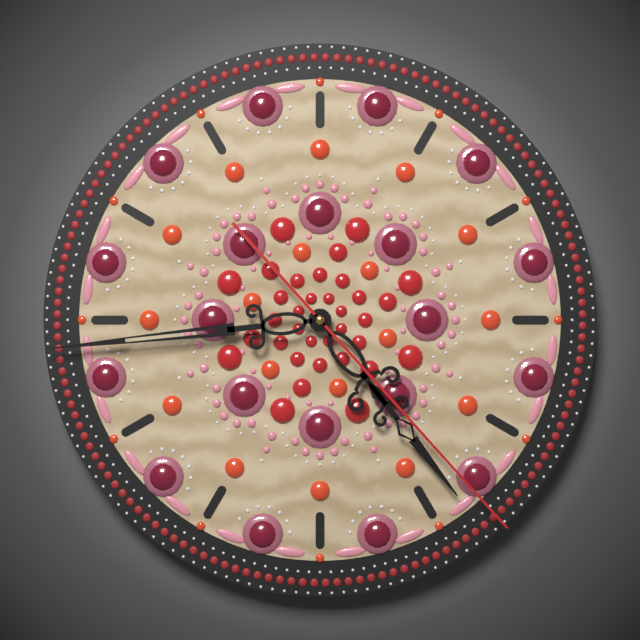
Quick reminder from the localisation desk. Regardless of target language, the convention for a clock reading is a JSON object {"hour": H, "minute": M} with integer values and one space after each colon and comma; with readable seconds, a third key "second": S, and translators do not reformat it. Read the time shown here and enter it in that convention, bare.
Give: {"hour": 4, "minute": 44, "second": 23}
